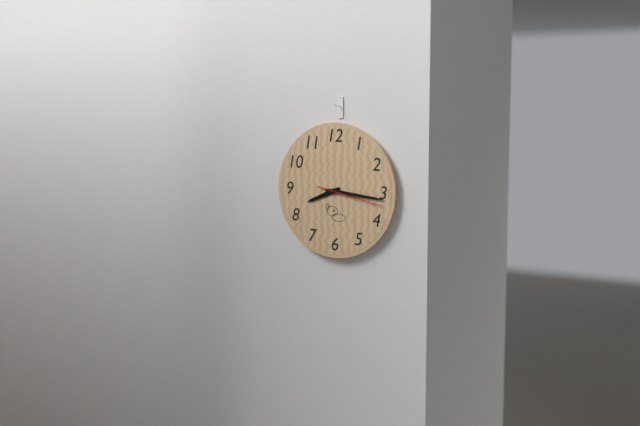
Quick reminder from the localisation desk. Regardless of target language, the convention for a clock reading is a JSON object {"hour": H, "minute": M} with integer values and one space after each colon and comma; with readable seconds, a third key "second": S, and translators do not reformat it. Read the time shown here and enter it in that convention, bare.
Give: {"hour": 8, "minute": 16, "second": 17}
